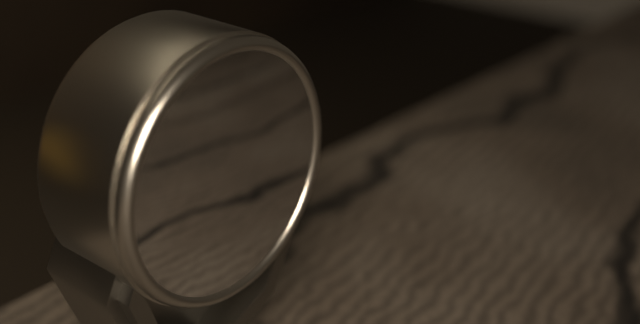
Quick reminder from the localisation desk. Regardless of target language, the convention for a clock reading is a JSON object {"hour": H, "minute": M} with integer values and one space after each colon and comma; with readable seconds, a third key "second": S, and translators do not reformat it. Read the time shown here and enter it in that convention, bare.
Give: {"hour": 9, "minute": 9}
